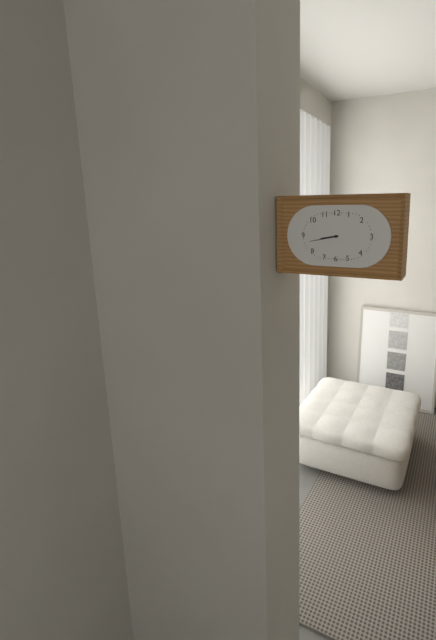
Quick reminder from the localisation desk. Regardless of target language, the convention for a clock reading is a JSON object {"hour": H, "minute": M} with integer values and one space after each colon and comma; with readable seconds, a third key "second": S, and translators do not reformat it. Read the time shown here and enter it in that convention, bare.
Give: {"hour": 8, "minute": 43}
